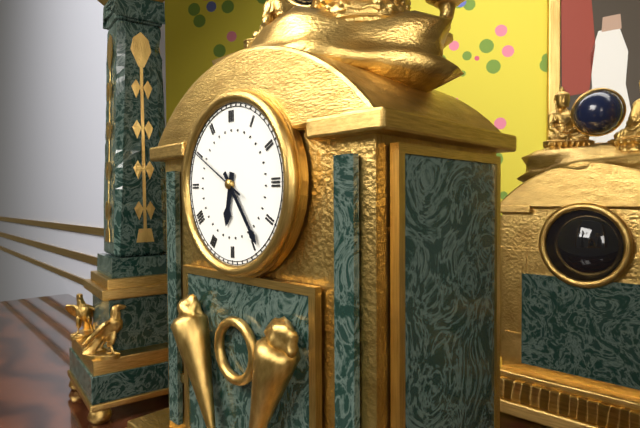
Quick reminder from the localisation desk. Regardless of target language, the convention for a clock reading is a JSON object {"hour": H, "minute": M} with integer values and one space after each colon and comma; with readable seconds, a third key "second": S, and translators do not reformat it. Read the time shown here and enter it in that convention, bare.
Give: {"hour": 6, "minute": 24, "second": 50}
